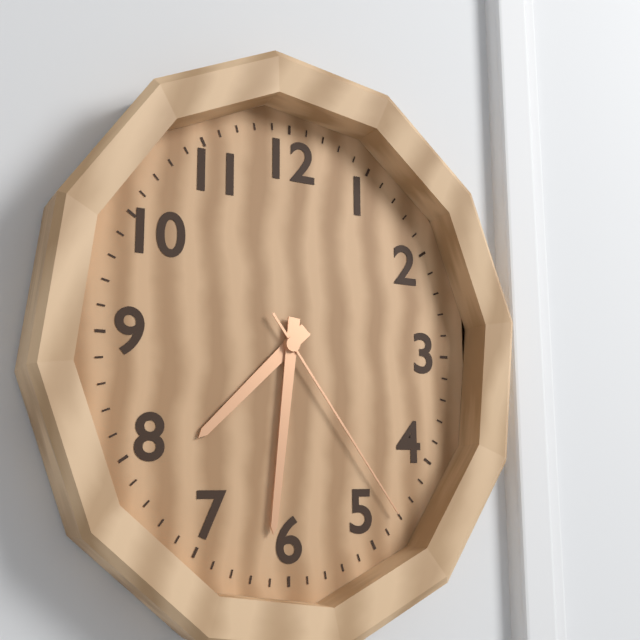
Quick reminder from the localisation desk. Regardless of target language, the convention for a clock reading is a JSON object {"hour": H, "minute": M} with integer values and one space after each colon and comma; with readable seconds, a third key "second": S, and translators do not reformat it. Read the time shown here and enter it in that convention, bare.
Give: {"hour": 7, "minute": 31, "second": 24}
